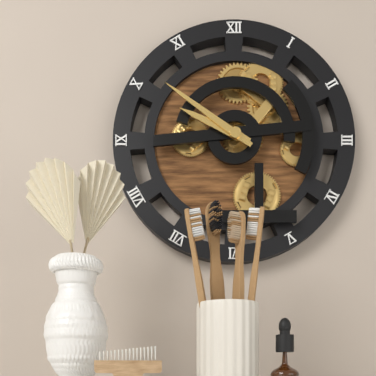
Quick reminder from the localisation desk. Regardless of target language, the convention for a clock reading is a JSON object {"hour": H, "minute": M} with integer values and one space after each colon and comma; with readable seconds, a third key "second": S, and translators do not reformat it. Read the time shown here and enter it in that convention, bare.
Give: {"hour": 9, "minute": 51}
